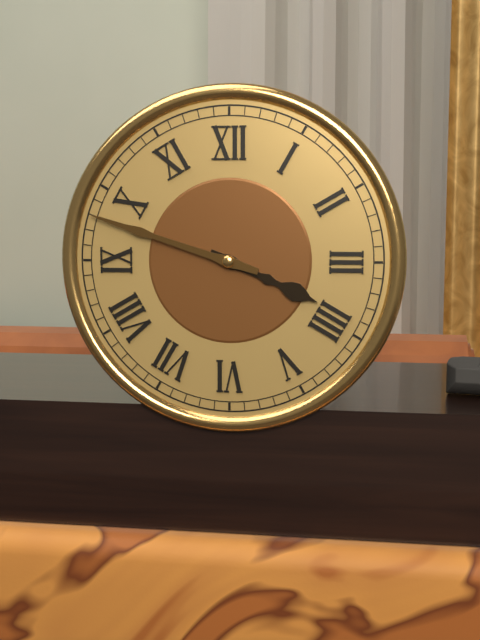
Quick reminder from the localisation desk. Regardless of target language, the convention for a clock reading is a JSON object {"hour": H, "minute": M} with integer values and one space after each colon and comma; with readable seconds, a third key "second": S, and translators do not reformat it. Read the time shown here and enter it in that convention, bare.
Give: {"hour": 3, "minute": 48}
